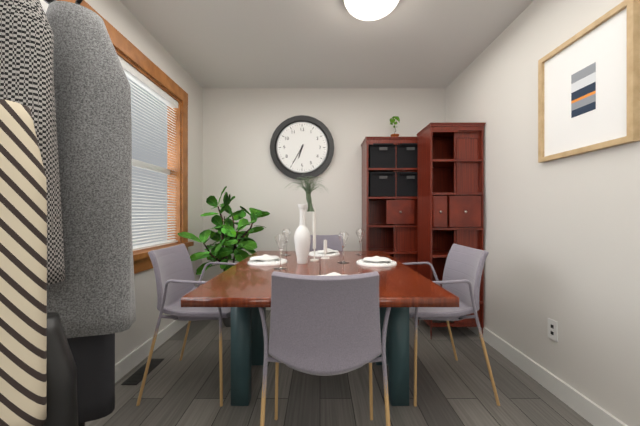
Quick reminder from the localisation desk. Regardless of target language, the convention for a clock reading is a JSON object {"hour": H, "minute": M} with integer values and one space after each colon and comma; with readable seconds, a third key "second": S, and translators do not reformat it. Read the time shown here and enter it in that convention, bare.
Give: {"hour": 6, "minute": 35}
